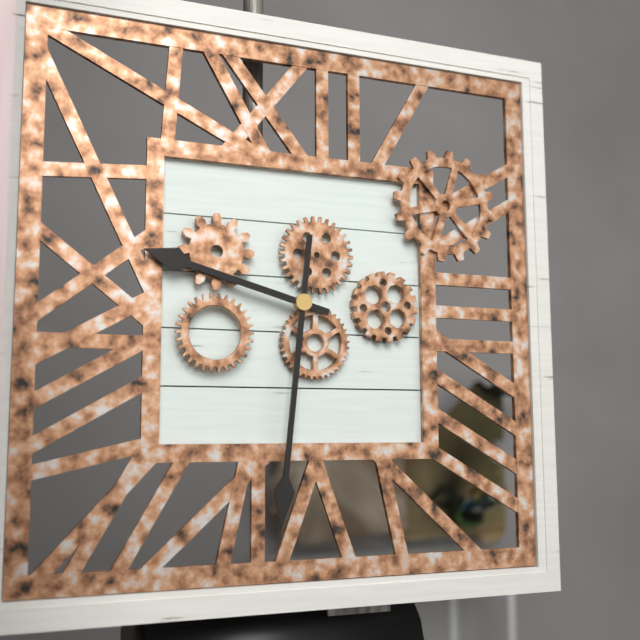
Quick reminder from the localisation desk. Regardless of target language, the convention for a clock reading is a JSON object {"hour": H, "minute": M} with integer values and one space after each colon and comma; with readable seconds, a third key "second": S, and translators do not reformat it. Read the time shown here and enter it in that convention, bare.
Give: {"hour": 9, "minute": 31}
